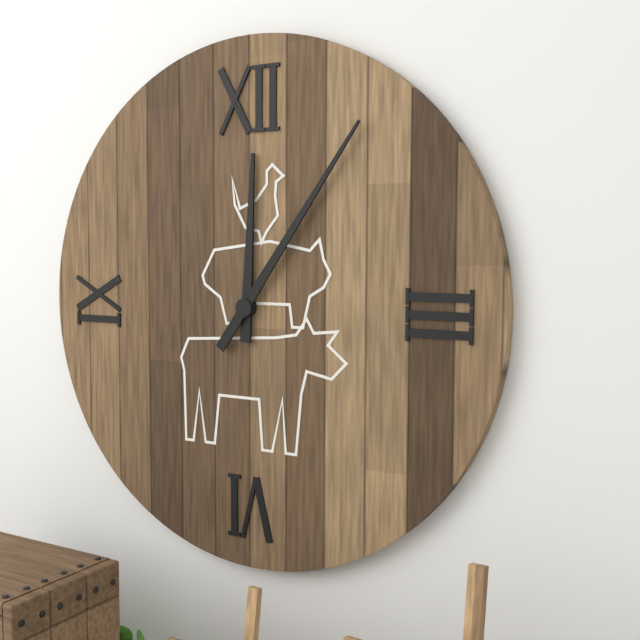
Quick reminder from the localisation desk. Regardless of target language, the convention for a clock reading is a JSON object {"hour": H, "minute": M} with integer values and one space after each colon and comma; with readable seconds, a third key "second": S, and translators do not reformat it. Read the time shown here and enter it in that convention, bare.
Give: {"hour": 12, "minute": 6}
